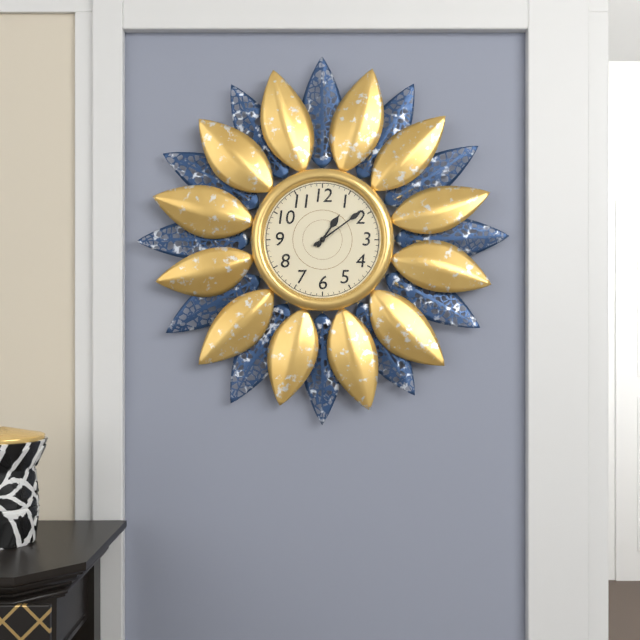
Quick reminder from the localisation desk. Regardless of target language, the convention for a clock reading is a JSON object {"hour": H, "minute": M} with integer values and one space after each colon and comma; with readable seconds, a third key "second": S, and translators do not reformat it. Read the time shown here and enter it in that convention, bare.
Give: {"hour": 1, "minute": 9}
